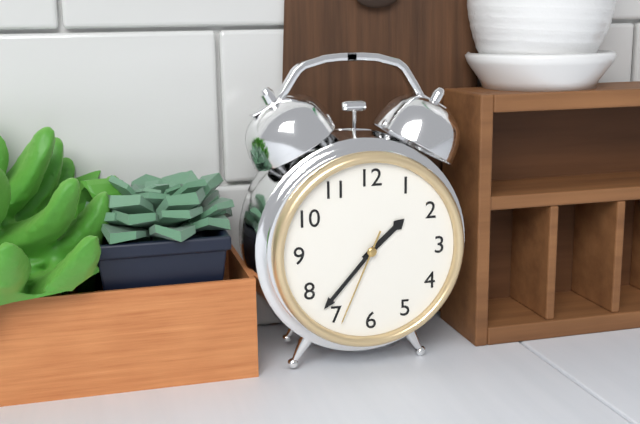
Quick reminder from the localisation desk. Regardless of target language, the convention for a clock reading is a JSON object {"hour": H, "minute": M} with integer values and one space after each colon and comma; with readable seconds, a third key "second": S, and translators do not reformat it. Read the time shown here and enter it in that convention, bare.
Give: {"hour": 1, "minute": 37, "second": 34}
